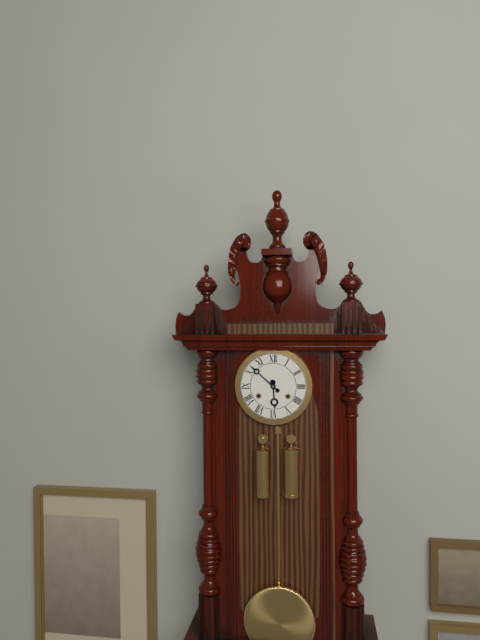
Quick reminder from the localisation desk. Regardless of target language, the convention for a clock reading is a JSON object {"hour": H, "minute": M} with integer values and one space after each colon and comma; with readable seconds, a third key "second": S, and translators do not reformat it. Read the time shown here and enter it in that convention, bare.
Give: {"hour": 5, "minute": 52}
